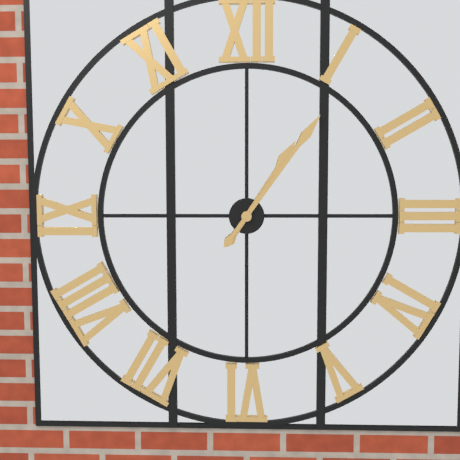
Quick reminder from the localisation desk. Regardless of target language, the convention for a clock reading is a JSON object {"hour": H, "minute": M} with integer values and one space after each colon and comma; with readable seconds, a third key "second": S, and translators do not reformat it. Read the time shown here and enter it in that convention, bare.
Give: {"hour": 1, "minute": 6}
